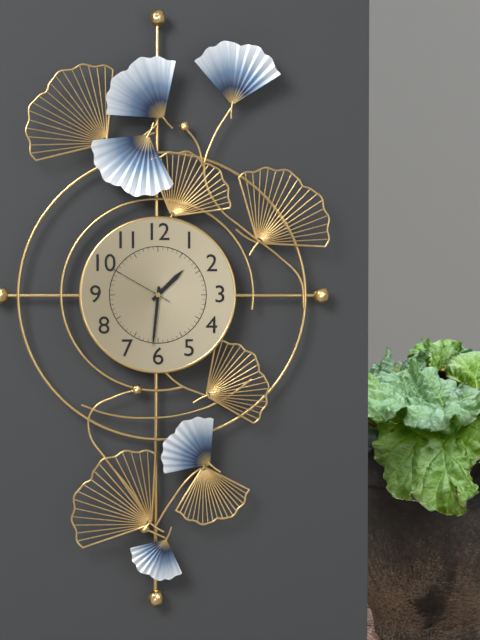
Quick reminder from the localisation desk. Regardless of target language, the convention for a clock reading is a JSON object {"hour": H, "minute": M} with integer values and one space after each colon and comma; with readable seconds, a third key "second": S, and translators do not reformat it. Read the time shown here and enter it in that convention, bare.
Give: {"hour": 1, "minute": 31, "second": 50}
